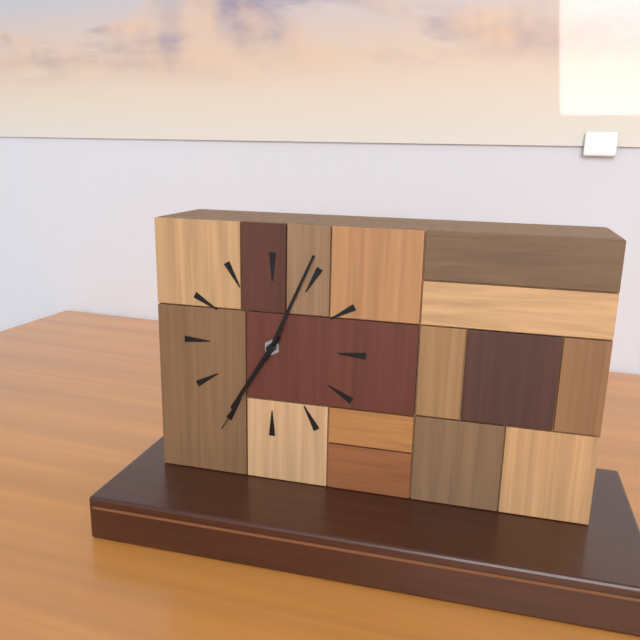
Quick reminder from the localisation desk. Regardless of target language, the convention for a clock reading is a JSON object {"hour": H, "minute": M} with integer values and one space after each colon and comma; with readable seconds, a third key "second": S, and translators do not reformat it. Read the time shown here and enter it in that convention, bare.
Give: {"hour": 7, "minute": 4, "second": 35}
